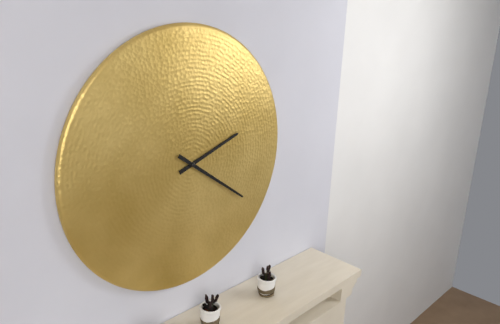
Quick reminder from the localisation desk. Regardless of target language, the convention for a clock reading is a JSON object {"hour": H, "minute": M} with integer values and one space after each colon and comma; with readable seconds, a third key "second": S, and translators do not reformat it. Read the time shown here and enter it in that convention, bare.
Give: {"hour": 2, "minute": 21}
